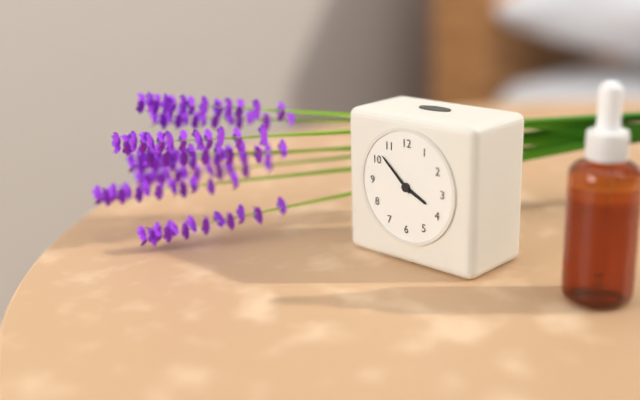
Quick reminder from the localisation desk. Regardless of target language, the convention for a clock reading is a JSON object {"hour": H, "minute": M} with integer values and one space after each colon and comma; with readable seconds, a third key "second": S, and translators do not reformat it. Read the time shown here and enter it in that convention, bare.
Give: {"hour": 3, "minute": 52}
